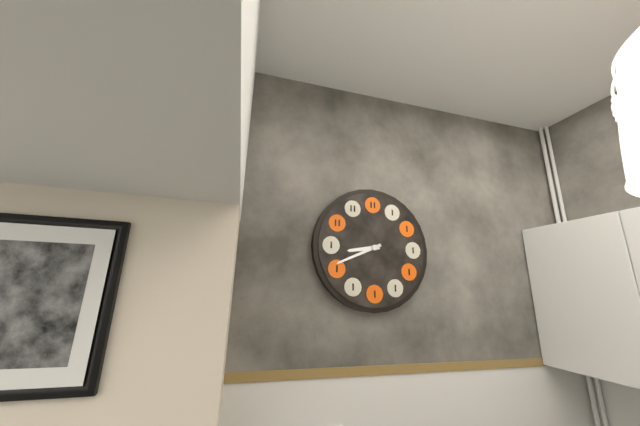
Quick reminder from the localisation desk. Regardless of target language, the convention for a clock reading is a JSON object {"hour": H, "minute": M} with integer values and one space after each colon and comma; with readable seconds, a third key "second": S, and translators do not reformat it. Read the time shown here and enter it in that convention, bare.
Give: {"hour": 8, "minute": 41}
